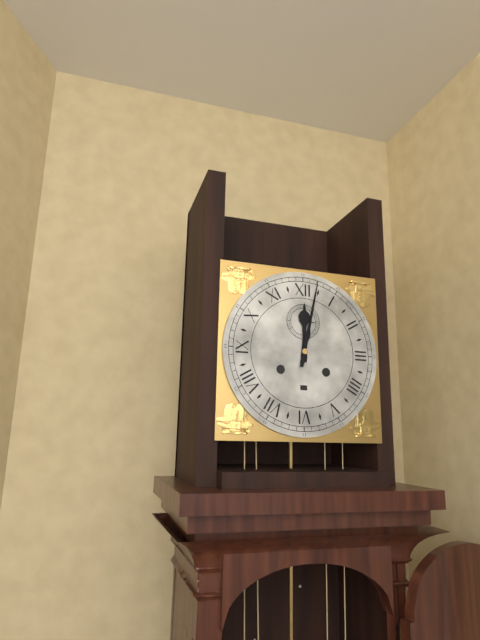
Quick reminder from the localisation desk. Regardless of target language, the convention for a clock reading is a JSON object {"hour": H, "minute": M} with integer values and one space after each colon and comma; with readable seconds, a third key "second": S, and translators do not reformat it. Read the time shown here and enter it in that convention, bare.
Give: {"hour": 12, "minute": 2}
